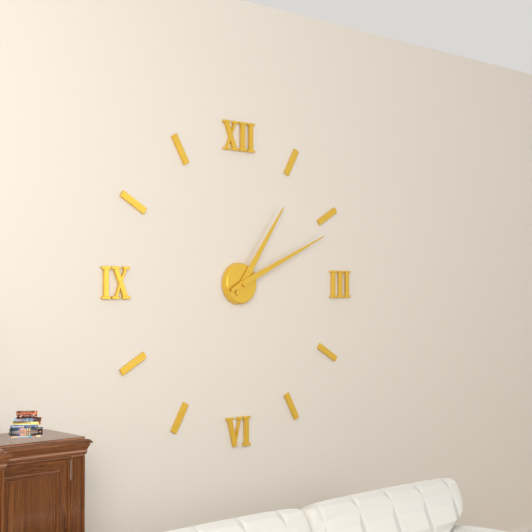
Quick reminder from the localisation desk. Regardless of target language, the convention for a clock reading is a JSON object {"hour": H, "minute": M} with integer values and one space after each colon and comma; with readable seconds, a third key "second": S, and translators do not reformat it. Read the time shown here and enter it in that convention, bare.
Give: {"hour": 1, "minute": 11}
